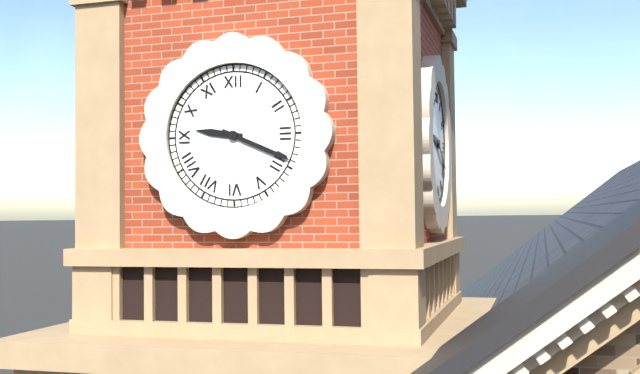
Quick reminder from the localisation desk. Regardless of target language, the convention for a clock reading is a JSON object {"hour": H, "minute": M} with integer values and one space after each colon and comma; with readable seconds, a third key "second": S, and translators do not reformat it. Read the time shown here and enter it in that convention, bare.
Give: {"hour": 9, "minute": 19}
